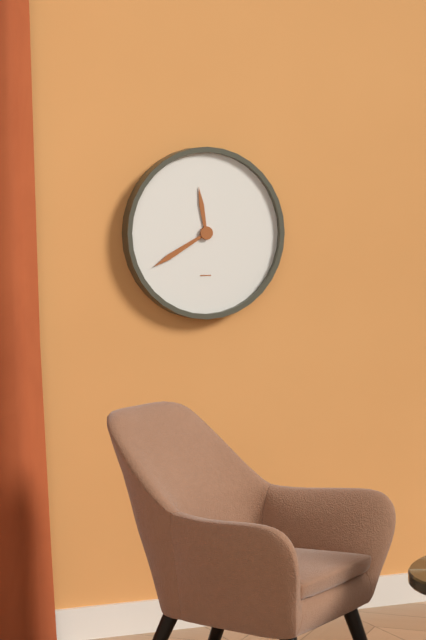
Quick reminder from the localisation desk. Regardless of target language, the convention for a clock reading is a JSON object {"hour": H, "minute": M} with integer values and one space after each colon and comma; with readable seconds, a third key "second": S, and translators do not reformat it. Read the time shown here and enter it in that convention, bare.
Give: {"hour": 11, "minute": 40}
